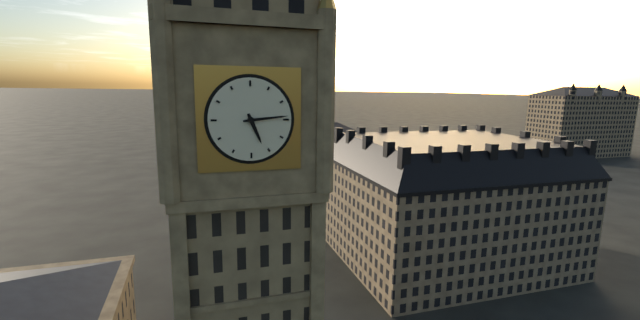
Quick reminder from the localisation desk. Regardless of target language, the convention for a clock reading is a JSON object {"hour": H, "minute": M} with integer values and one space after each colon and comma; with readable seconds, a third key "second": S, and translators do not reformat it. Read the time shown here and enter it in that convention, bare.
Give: {"hour": 5, "minute": 14}
